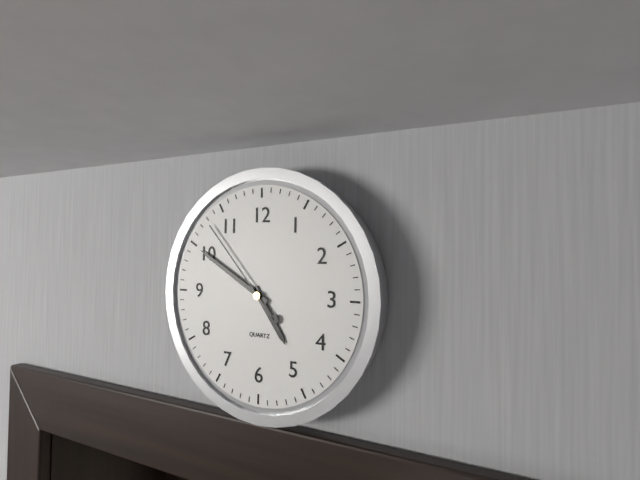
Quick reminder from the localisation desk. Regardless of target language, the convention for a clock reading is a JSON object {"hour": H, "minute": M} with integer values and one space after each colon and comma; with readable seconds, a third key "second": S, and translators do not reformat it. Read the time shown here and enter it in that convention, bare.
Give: {"hour": 4, "minute": 50, "second": 53}
